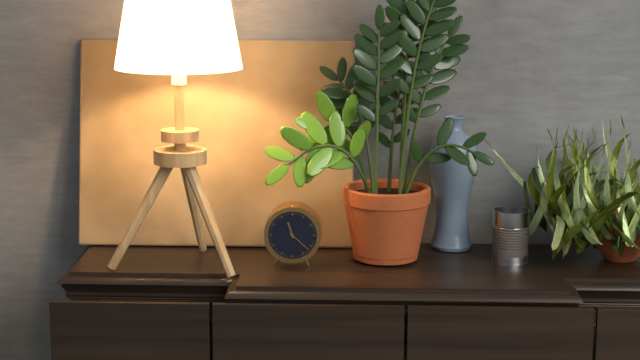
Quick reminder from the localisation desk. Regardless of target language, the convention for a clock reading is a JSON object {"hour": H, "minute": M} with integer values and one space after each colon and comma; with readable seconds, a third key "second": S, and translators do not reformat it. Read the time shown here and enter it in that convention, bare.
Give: {"hour": 11, "minute": 22}
